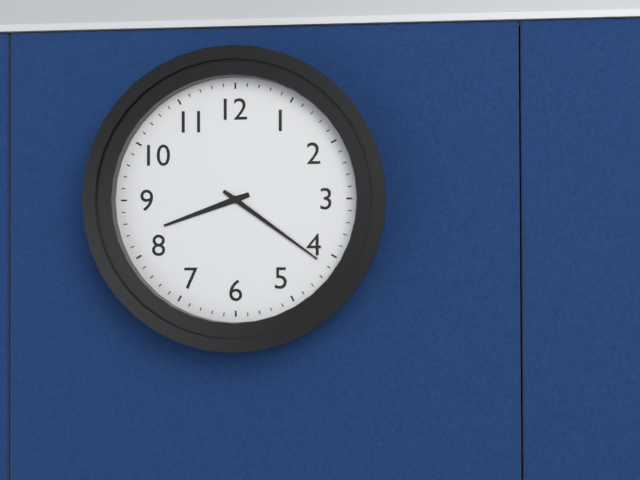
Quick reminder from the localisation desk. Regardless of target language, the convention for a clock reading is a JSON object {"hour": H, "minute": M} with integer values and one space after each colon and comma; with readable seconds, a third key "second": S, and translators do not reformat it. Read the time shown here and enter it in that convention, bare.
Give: {"hour": 8, "minute": 21}
